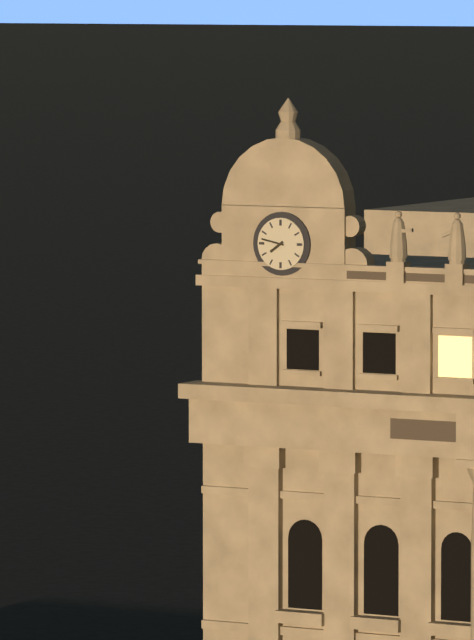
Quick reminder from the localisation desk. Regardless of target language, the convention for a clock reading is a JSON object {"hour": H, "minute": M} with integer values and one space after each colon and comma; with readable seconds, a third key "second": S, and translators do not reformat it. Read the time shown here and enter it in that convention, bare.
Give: {"hour": 7, "minute": 47}
